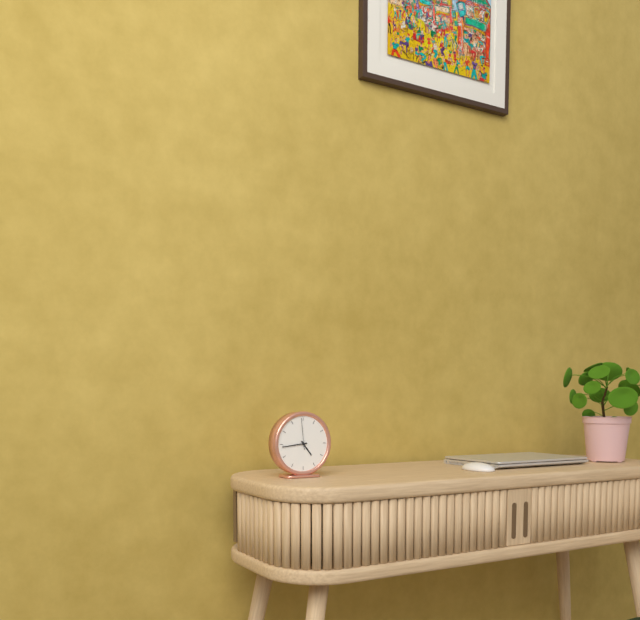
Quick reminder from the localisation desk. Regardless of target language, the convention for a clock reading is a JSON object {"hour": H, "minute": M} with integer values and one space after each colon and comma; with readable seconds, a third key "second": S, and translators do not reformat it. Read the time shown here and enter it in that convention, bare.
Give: {"hour": 4, "minute": 44}
